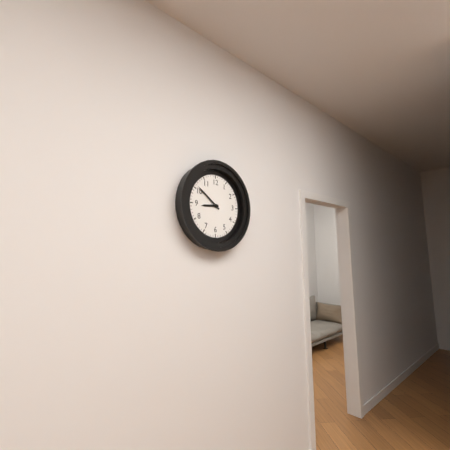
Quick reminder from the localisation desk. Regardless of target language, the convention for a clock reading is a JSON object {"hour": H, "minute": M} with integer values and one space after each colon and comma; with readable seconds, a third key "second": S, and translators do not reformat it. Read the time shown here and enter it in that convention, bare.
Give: {"hour": 8, "minute": 51}
